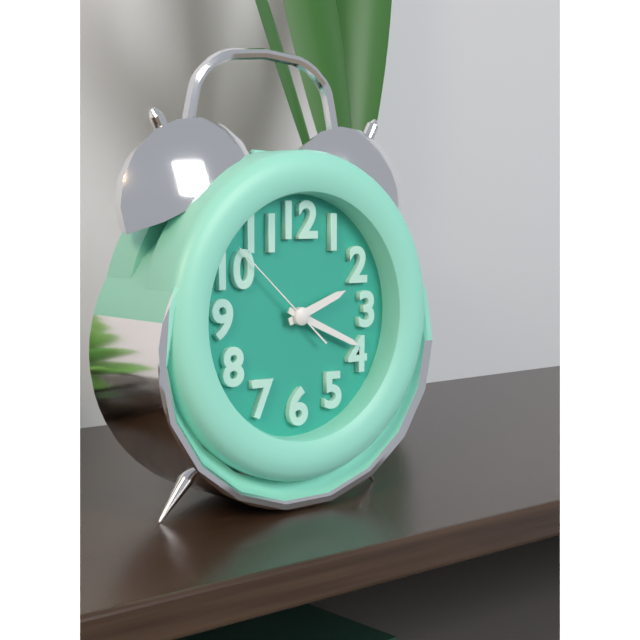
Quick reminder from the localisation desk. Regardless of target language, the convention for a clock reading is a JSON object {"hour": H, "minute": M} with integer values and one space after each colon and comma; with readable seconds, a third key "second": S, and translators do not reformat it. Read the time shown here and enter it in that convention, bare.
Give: {"hour": 2, "minute": 19, "second": 52}
